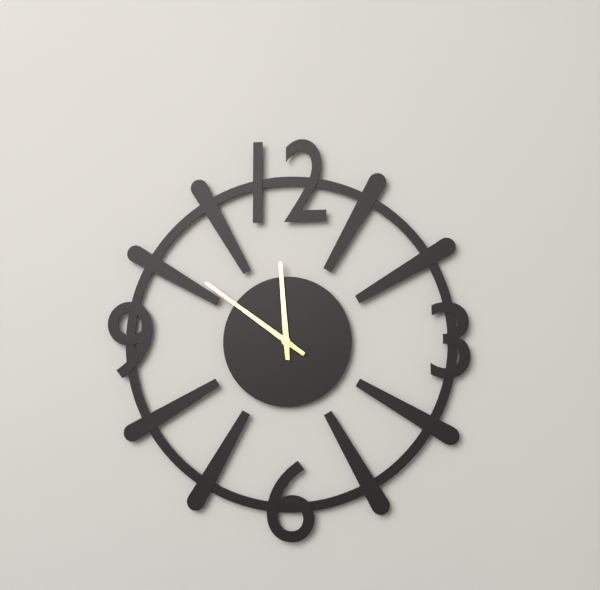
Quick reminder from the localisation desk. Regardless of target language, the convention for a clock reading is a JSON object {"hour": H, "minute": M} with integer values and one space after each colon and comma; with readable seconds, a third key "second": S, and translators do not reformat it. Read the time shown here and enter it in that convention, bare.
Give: {"hour": 11, "minute": 51}
